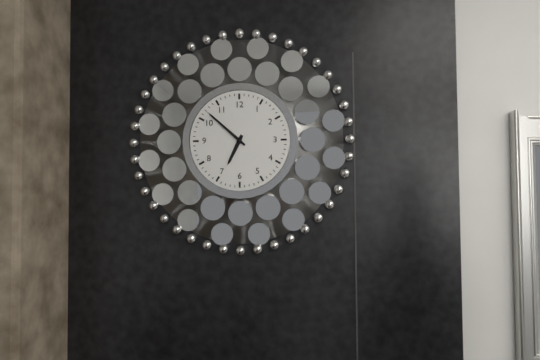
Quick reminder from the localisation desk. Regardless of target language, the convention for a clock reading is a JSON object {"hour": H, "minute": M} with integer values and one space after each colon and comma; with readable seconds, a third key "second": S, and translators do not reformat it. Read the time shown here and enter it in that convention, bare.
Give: {"hour": 6, "minute": 52}
